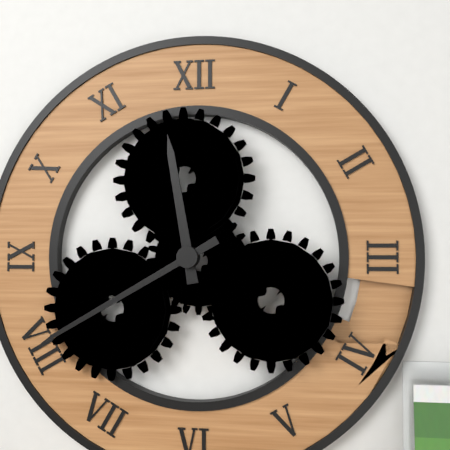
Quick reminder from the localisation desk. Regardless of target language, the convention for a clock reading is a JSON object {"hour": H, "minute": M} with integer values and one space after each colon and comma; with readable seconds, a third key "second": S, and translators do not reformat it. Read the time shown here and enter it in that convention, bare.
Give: {"hour": 11, "minute": 40}
